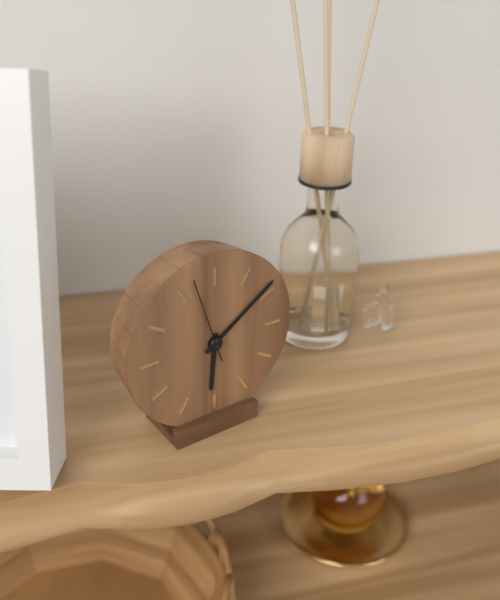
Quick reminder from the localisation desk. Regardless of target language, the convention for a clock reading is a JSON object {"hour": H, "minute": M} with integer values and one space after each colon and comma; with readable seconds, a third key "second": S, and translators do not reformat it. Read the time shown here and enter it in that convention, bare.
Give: {"hour": 6, "minute": 9, "second": 57}
